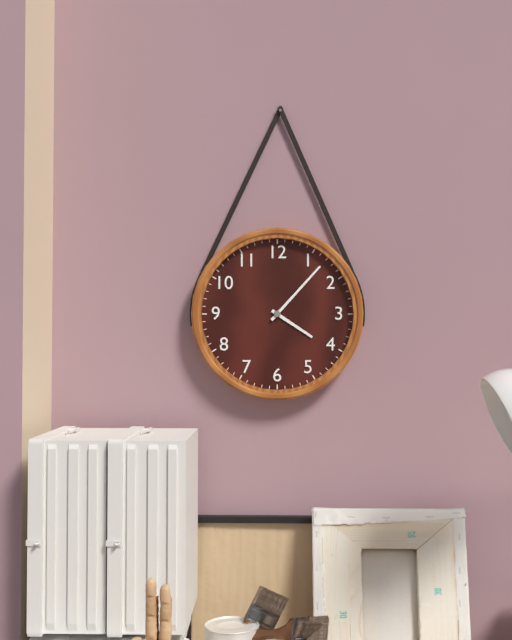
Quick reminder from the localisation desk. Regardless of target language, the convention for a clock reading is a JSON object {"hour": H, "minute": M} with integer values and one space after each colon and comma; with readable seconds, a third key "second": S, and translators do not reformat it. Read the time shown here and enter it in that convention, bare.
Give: {"hour": 4, "minute": 7}
